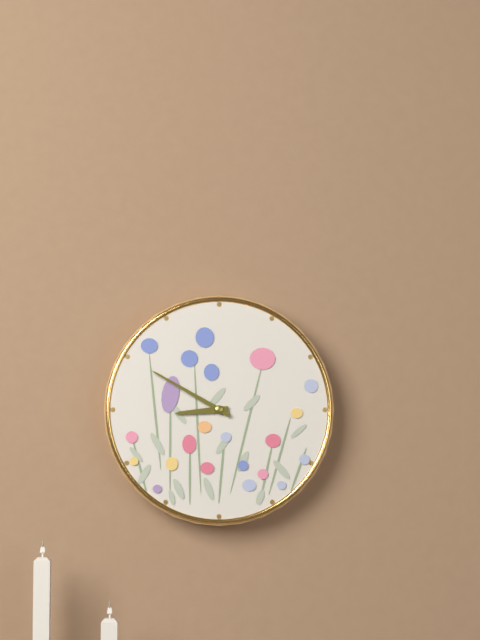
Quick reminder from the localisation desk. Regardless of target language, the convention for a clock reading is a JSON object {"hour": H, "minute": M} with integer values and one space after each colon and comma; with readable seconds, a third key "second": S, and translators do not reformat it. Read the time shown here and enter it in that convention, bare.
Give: {"hour": 8, "minute": 50}
